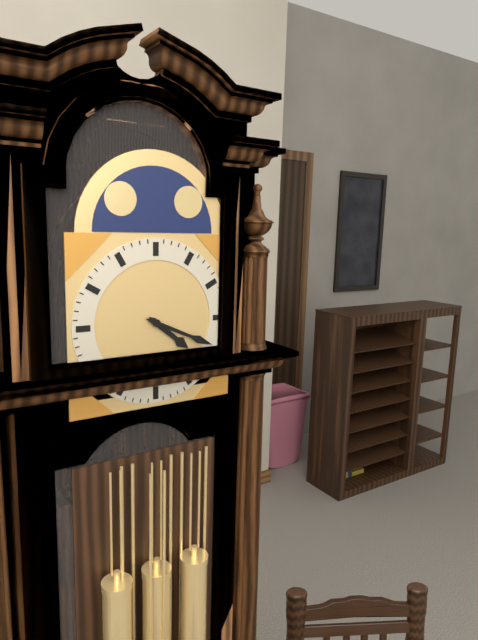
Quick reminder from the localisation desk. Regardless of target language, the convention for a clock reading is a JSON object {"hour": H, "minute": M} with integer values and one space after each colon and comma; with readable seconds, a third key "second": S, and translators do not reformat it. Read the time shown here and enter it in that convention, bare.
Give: {"hour": 4, "minute": 19}
